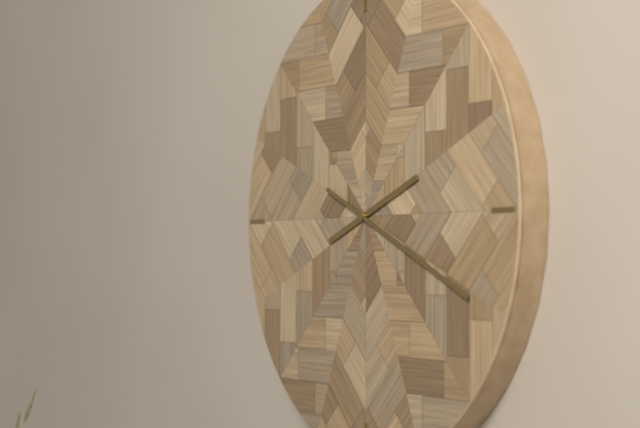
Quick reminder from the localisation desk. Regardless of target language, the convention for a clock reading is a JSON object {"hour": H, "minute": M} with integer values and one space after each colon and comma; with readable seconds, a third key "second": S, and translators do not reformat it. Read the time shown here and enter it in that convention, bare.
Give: {"hour": 2, "minute": 19}
